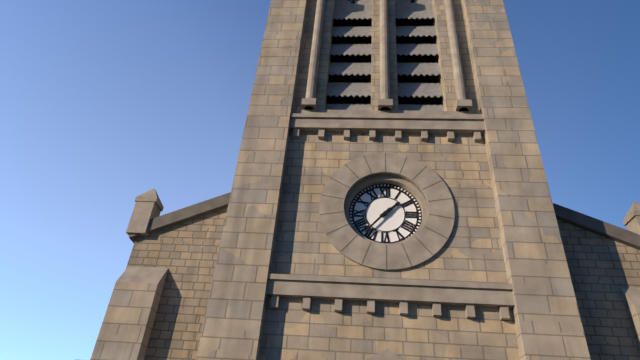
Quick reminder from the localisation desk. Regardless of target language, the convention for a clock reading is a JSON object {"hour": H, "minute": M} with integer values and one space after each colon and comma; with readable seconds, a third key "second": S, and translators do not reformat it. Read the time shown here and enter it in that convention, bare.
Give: {"hour": 1, "minute": 37}
